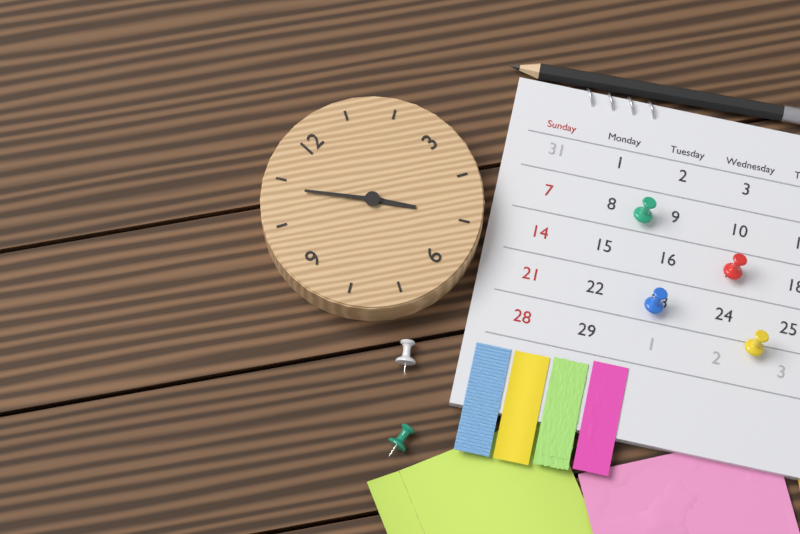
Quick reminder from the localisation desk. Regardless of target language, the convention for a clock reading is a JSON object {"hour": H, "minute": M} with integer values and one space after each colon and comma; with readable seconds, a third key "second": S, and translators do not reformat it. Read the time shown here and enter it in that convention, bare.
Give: {"hour": 4, "minute": 54}
